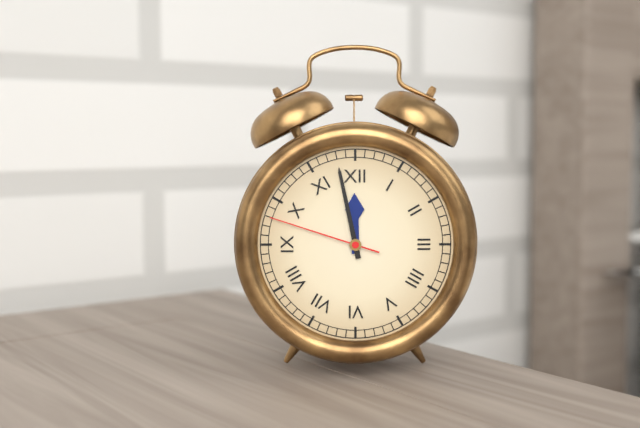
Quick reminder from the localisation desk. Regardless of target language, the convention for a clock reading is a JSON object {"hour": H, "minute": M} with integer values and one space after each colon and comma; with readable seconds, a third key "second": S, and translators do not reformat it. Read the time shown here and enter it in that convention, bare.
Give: {"hour": 11, "minute": 58, "second": 48}
